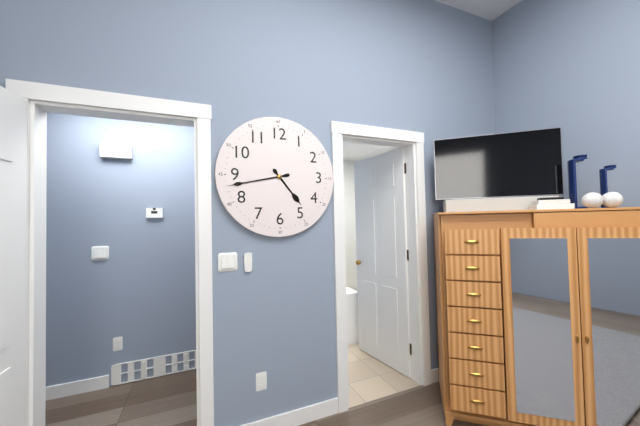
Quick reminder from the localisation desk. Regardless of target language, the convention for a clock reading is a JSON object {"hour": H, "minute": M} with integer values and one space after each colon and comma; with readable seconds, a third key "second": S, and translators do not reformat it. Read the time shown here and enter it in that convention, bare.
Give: {"hour": 4, "minute": 43}
